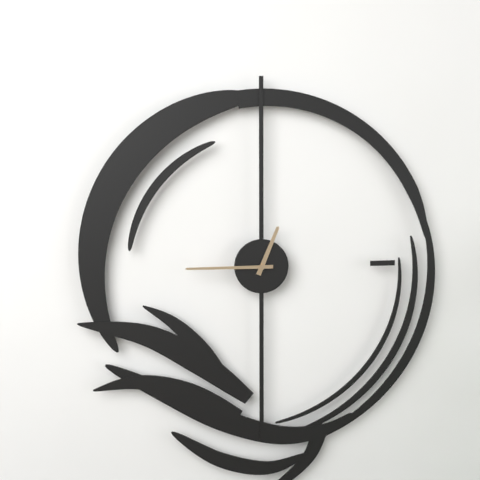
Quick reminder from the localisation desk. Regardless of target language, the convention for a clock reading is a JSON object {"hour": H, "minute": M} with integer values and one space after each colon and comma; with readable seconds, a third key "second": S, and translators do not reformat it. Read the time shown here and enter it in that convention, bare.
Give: {"hour": 12, "minute": 45}
